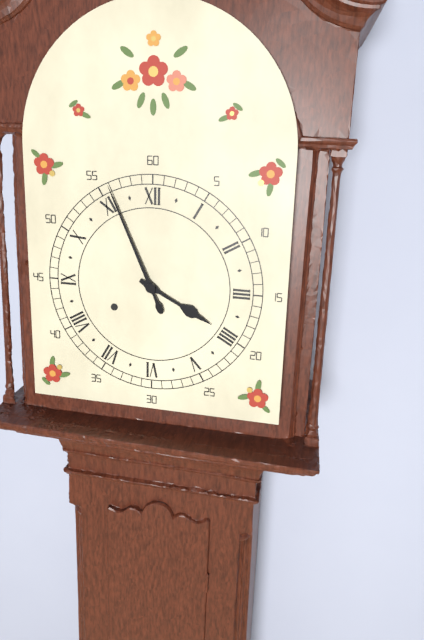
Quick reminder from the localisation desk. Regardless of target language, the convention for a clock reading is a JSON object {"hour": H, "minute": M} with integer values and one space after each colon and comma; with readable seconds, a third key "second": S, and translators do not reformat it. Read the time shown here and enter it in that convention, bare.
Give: {"hour": 3, "minute": 56}
